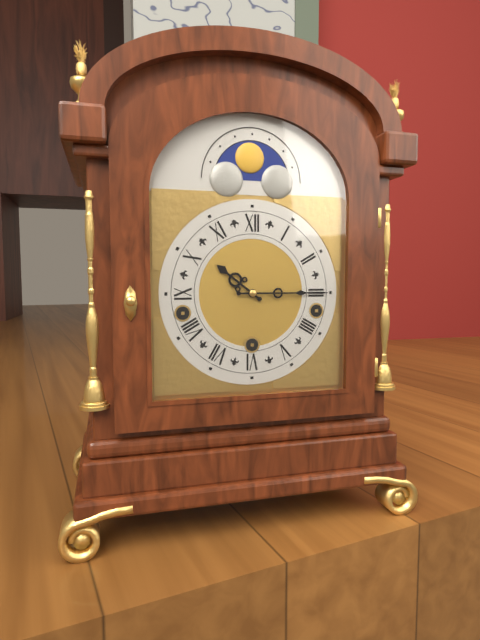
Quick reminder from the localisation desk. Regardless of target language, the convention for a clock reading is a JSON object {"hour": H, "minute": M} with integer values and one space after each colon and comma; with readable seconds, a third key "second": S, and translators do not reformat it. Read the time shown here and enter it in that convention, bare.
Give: {"hour": 10, "minute": 15}
